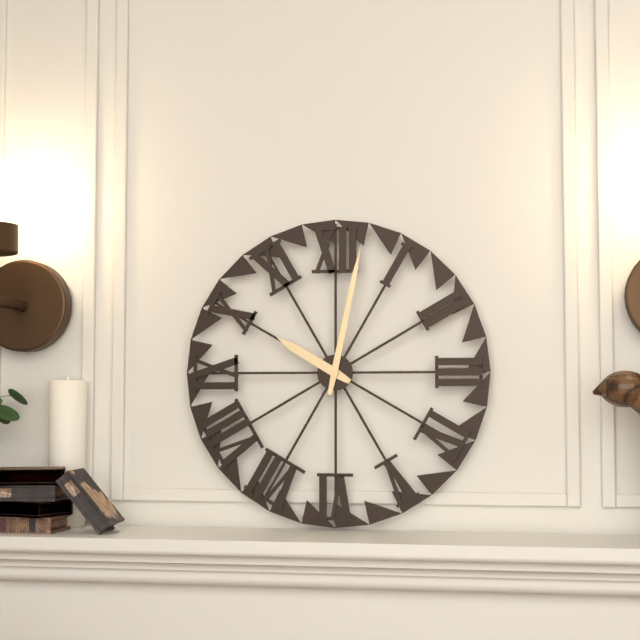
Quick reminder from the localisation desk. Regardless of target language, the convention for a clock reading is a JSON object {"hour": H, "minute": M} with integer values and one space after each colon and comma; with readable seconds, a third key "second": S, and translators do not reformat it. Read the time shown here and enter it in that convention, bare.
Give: {"hour": 10, "minute": 2}
